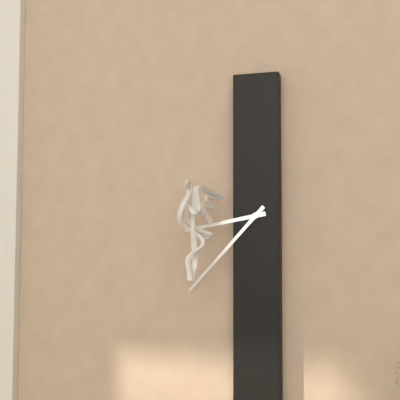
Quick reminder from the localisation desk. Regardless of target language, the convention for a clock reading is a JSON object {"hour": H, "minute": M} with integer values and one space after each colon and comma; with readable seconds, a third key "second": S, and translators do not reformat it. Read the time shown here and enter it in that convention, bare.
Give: {"hour": 8, "minute": 37}
